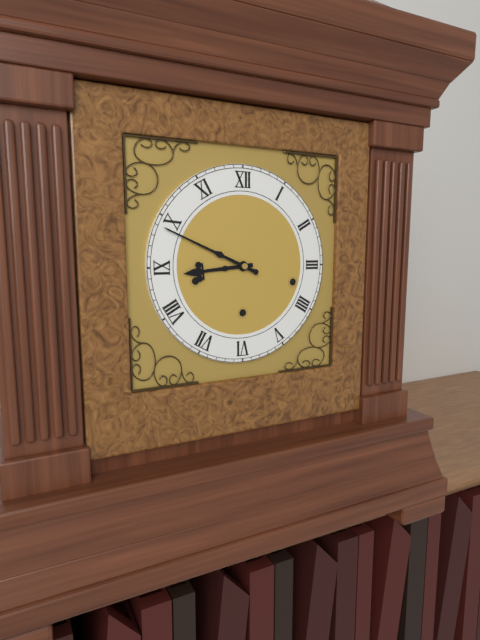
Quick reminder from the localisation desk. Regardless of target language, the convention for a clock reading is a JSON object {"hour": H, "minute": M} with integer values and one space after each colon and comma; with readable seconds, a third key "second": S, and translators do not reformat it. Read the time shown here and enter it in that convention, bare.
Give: {"hour": 8, "minute": 49}
